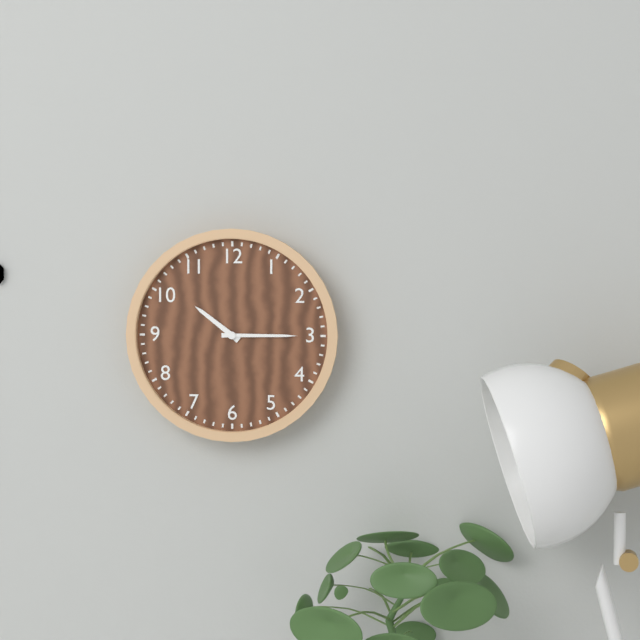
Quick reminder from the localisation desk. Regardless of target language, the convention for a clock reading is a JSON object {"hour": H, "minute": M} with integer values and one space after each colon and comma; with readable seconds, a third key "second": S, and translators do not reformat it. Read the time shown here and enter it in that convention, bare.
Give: {"hour": 10, "minute": 15}
